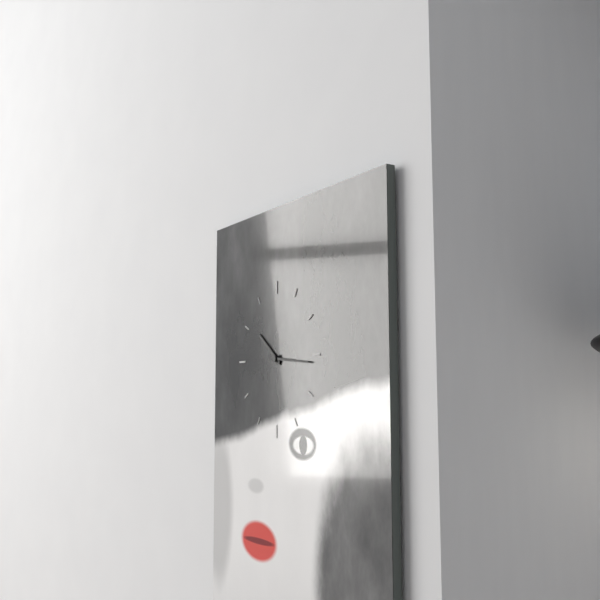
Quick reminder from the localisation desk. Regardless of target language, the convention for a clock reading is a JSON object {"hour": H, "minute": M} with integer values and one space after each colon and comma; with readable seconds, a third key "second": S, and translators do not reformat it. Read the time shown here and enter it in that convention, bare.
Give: {"hour": 10, "minute": 16}
